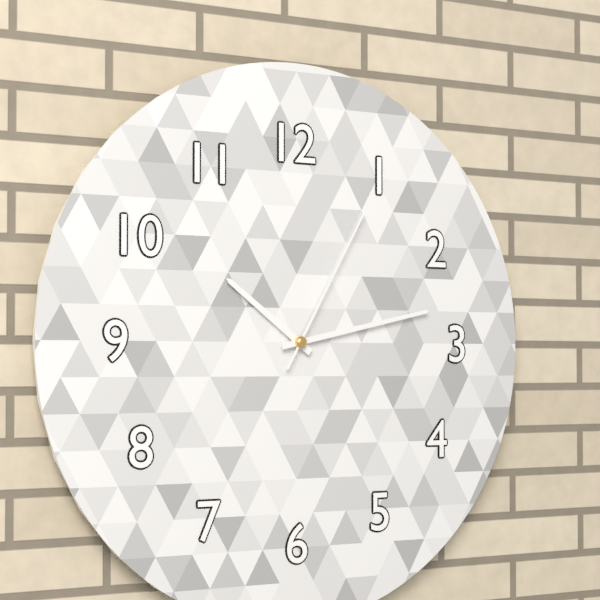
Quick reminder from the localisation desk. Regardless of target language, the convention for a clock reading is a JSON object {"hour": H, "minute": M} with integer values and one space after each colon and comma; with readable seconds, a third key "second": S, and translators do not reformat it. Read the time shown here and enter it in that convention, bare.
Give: {"hour": 10, "minute": 13, "second": 5}
